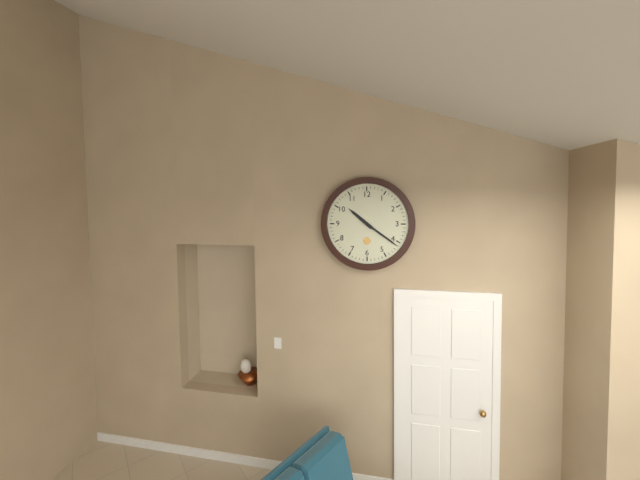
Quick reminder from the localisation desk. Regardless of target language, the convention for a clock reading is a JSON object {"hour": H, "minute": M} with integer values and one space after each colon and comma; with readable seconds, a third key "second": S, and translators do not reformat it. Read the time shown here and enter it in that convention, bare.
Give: {"hour": 10, "minute": 21}
